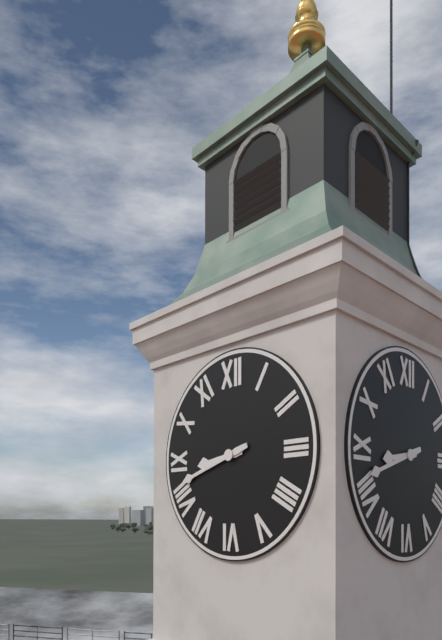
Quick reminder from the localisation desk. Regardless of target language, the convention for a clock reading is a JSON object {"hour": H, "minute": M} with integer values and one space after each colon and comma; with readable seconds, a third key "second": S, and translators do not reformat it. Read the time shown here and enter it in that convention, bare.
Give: {"hour": 8, "minute": 42}
